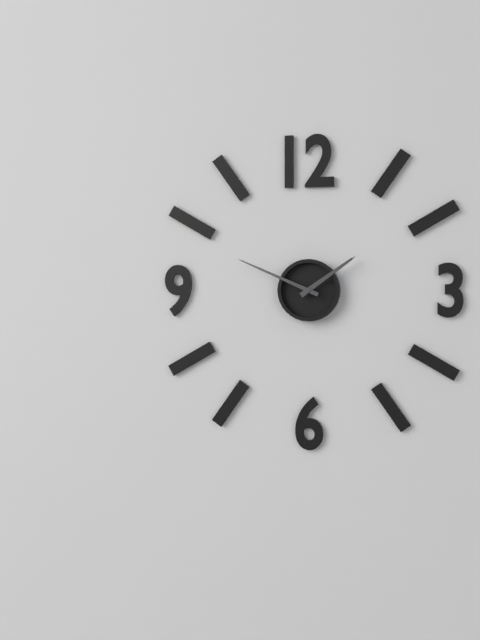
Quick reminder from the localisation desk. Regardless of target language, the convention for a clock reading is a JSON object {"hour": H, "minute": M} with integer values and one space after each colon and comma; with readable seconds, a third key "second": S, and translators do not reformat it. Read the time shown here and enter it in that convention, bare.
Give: {"hour": 1, "minute": 49}
